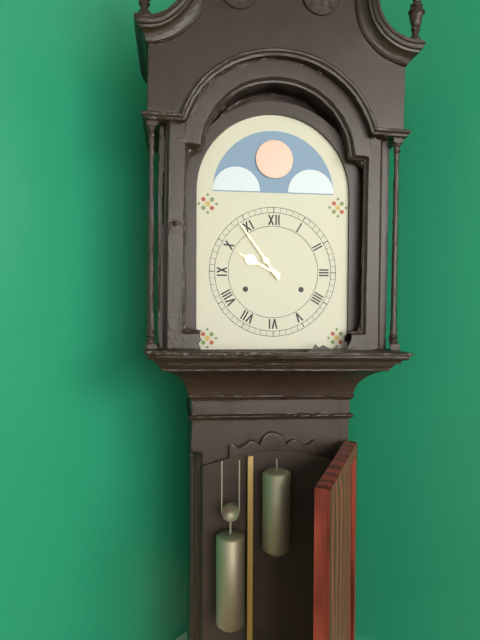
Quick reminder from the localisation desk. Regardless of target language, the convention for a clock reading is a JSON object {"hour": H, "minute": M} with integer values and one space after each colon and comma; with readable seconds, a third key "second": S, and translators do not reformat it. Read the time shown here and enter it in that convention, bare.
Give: {"hour": 9, "minute": 54}
